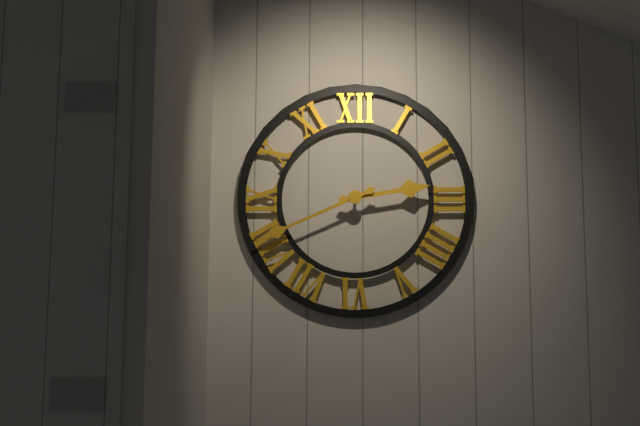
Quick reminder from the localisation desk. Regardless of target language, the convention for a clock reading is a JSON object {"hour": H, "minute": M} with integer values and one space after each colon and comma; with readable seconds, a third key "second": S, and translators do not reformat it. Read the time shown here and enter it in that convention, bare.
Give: {"hour": 2, "minute": 41}
